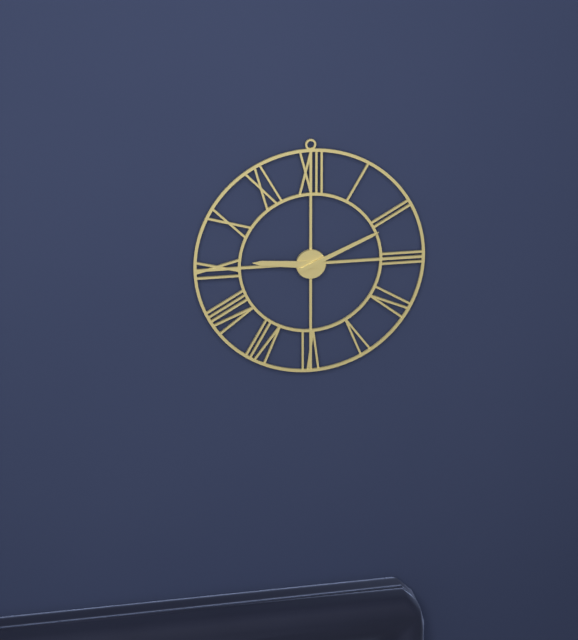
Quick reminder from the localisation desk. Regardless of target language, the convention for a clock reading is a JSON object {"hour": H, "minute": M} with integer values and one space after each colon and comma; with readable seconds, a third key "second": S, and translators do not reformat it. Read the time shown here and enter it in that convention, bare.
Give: {"hour": 9, "minute": 11}
